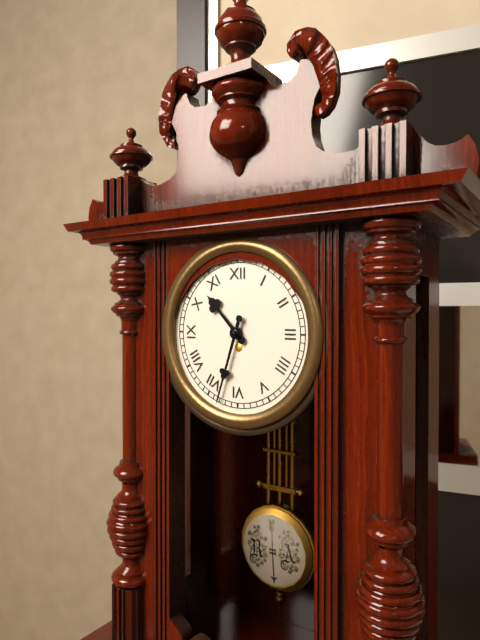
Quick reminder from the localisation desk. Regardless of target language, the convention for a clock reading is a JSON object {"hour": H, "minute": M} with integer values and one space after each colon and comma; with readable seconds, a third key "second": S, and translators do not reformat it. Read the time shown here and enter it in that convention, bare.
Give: {"hour": 10, "minute": 33}
